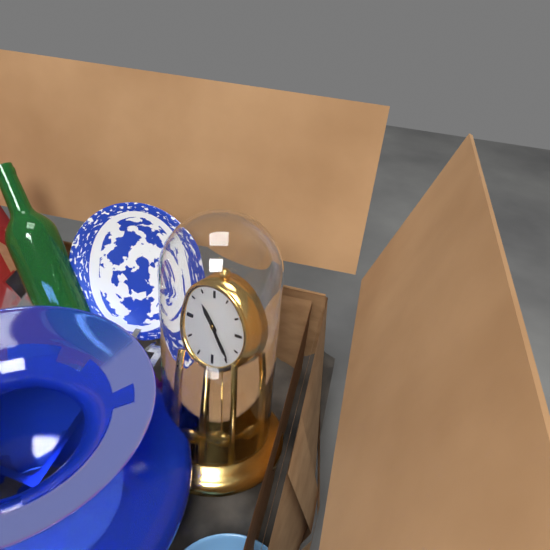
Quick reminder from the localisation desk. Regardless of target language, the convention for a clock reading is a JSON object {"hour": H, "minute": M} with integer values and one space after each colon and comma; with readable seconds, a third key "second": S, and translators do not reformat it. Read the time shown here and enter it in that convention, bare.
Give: {"hour": 10, "minute": 24}
